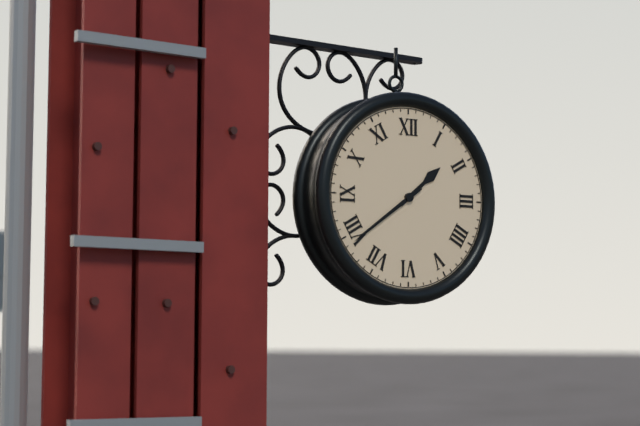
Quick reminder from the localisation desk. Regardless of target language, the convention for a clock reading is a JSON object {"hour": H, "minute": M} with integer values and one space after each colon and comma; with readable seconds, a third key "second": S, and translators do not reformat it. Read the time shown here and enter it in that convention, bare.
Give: {"hour": 1, "minute": 39}
